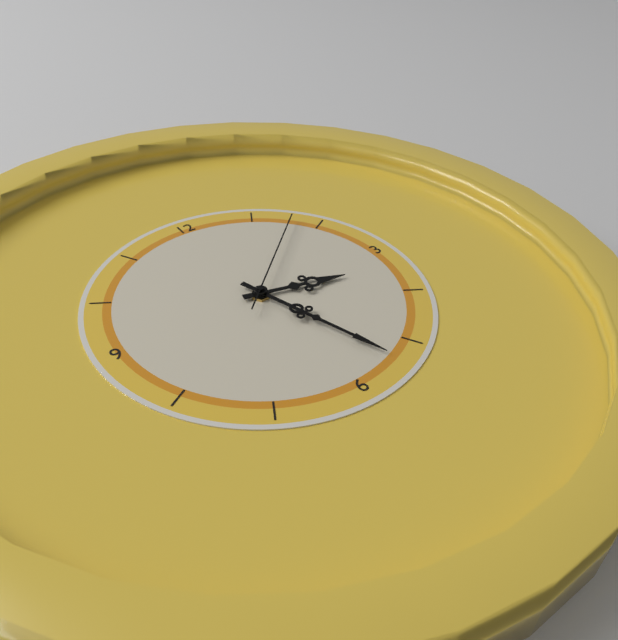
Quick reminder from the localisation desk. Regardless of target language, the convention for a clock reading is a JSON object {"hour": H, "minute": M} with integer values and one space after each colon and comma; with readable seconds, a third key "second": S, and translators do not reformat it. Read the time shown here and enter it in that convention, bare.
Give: {"hour": 3, "minute": 27, "second": 8}
